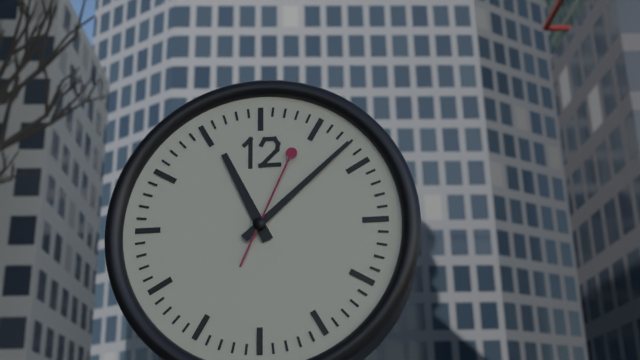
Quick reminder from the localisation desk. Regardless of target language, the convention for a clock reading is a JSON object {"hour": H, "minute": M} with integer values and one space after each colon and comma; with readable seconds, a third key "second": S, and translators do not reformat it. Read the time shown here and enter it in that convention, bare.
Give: {"hour": 11, "minute": 8, "second": 4}
